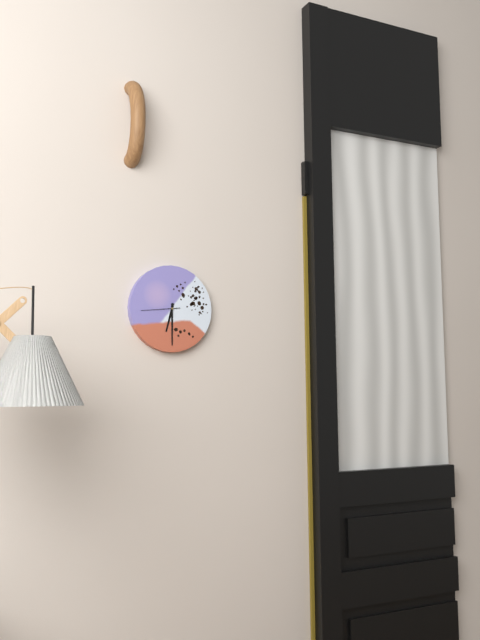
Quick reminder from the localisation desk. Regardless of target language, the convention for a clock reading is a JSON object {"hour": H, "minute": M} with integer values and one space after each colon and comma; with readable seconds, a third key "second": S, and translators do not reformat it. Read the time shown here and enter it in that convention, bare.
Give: {"hour": 6, "minute": 30}
